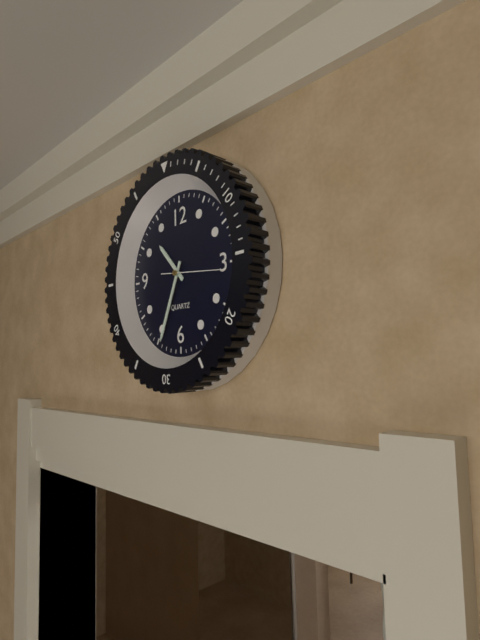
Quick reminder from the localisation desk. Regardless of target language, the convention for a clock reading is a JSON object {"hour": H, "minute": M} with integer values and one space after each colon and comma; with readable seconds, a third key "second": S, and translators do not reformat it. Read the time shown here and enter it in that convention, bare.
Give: {"hour": 10, "minute": 34, "second": 16}
